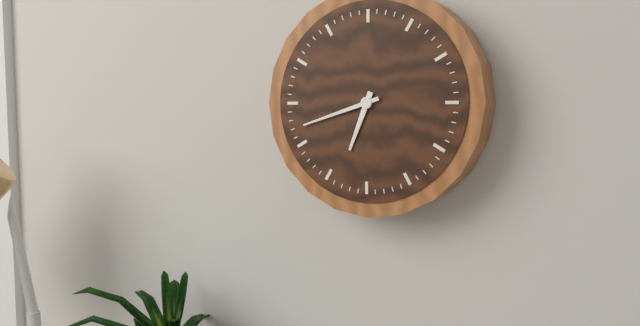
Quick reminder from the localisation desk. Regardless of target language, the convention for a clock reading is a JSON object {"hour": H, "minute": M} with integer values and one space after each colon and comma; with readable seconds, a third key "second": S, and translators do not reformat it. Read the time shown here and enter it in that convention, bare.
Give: {"hour": 6, "minute": 42}
